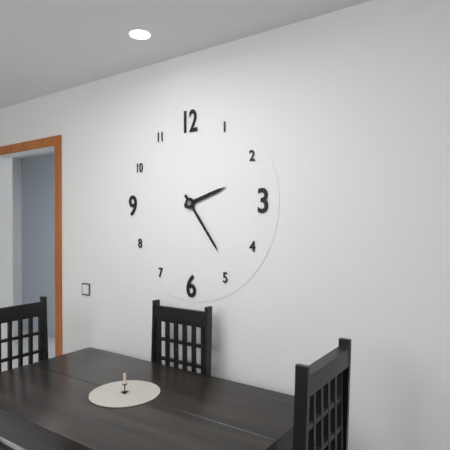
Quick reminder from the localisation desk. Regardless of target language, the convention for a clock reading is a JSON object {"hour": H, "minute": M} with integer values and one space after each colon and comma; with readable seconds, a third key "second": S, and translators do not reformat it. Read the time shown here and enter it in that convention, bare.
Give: {"hour": 2, "minute": 24}
